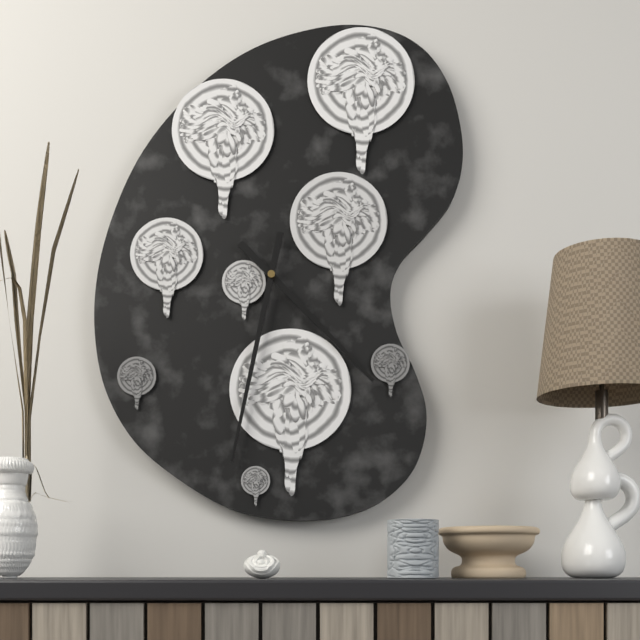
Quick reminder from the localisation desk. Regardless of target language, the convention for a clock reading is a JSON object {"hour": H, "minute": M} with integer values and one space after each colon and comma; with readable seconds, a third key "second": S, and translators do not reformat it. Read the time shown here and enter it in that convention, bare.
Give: {"hour": 4, "minute": 32}
